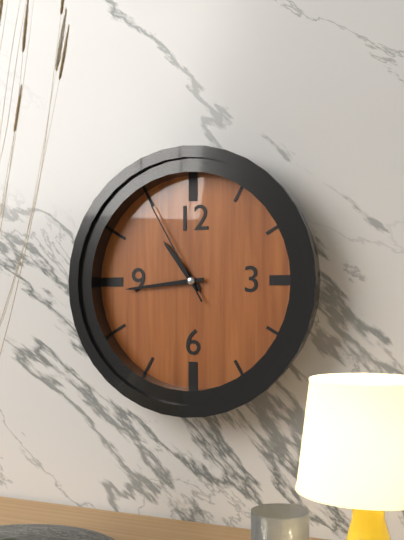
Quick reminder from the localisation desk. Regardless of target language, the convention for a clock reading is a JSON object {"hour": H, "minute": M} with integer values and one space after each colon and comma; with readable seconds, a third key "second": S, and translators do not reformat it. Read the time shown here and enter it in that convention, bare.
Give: {"hour": 10, "minute": 44, "second": 55}
